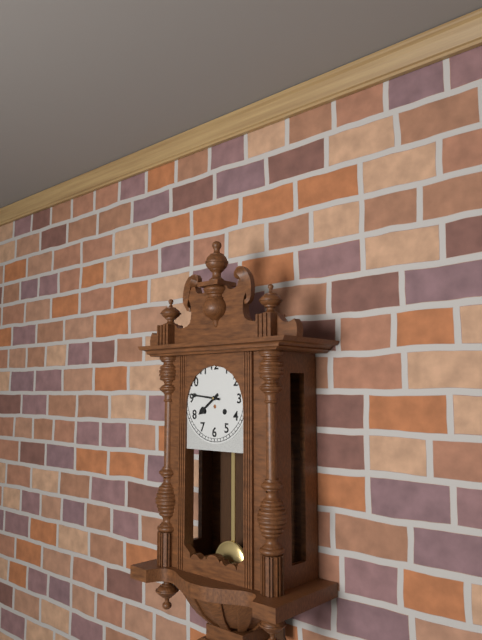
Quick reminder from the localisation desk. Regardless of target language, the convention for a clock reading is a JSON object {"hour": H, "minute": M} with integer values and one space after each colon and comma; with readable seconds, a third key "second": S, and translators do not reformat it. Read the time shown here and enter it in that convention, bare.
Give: {"hour": 7, "minute": 46}
